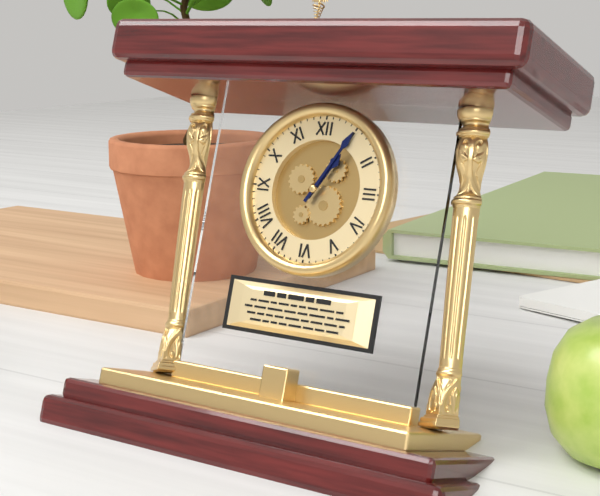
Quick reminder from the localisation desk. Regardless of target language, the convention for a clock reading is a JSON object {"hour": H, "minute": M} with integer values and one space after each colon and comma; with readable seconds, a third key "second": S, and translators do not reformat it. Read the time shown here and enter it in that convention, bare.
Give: {"hour": 1, "minute": 5}
